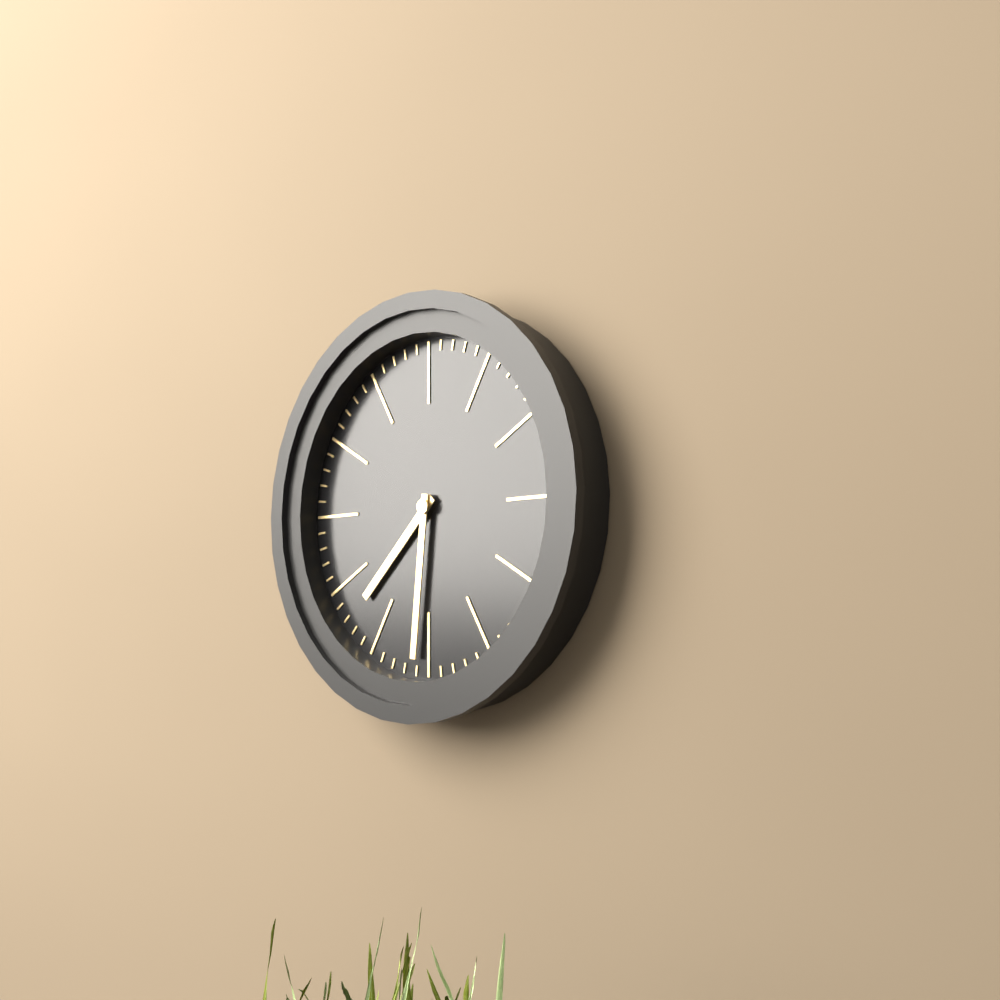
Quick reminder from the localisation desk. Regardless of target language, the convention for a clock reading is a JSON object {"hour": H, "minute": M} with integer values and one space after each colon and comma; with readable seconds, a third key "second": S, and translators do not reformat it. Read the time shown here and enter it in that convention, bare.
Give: {"hour": 7, "minute": 31}
